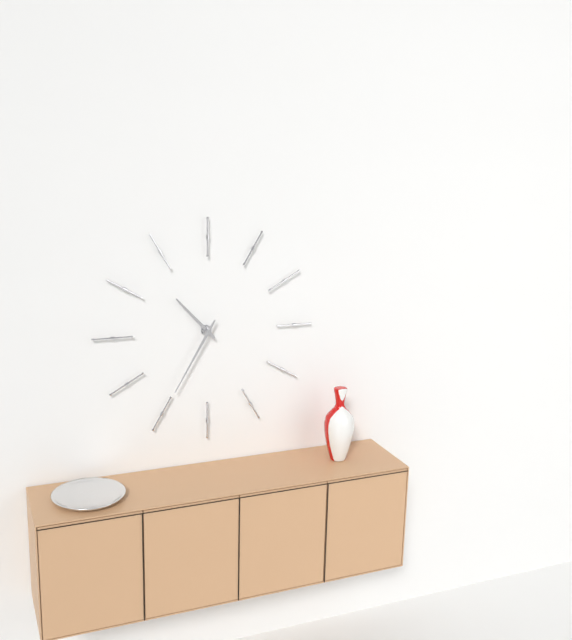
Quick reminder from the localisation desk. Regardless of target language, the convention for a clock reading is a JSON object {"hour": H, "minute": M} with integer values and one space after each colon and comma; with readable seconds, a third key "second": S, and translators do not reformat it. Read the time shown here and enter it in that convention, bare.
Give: {"hour": 10, "minute": 35}
